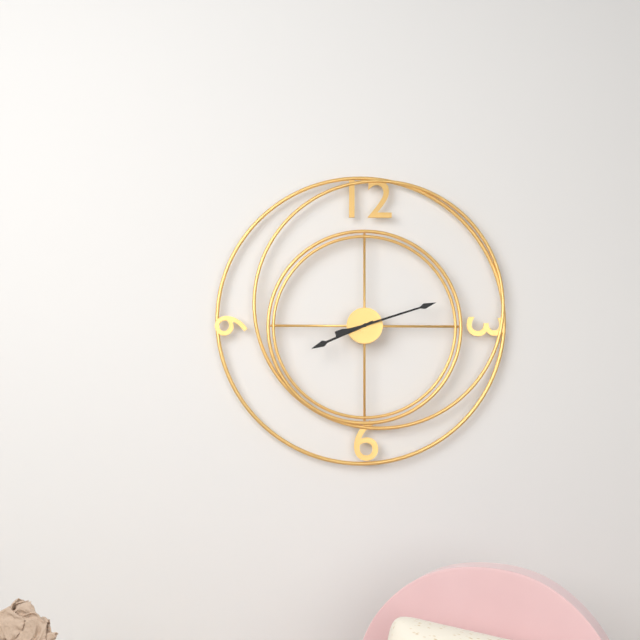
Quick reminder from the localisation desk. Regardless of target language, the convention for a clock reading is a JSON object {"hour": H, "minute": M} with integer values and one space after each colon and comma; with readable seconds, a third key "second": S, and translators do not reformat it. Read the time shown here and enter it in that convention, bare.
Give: {"hour": 8, "minute": 12}
